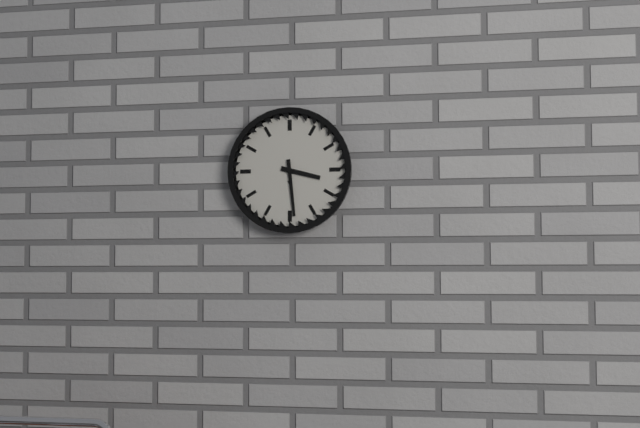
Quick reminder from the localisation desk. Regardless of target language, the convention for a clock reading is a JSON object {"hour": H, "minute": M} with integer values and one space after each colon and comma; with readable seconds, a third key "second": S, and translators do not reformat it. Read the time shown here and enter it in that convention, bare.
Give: {"hour": 3, "minute": 29}
